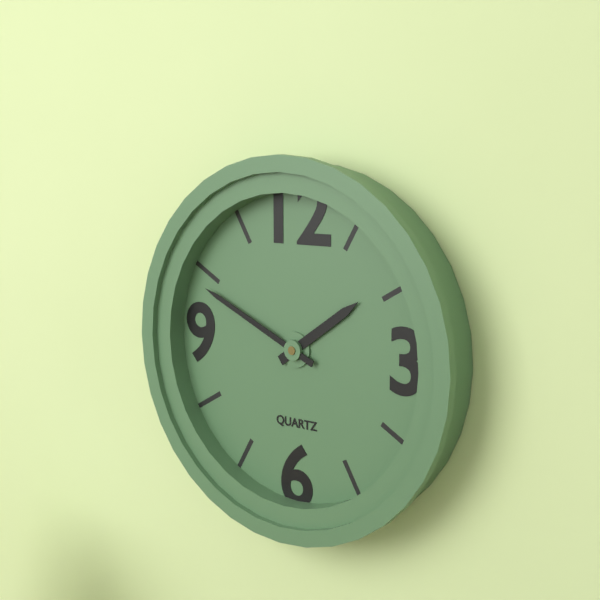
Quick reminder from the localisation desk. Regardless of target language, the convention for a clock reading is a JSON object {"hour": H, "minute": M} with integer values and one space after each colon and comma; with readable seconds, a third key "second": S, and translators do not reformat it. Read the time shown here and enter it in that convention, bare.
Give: {"hour": 1, "minute": 49}
